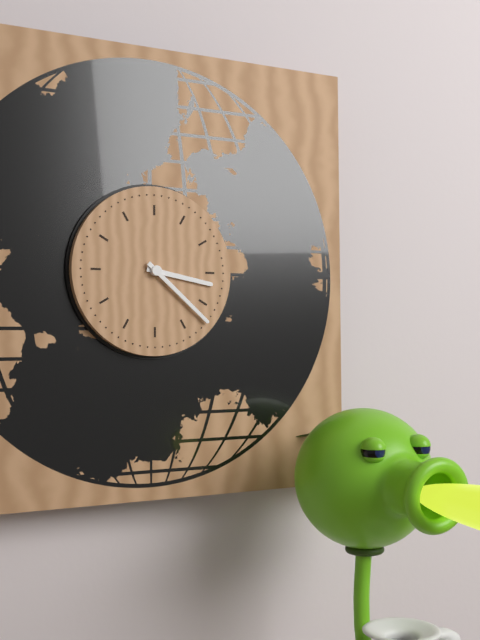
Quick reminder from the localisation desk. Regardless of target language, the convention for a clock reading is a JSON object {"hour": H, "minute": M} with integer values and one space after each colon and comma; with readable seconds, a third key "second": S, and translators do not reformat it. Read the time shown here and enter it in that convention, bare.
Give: {"hour": 3, "minute": 22}
